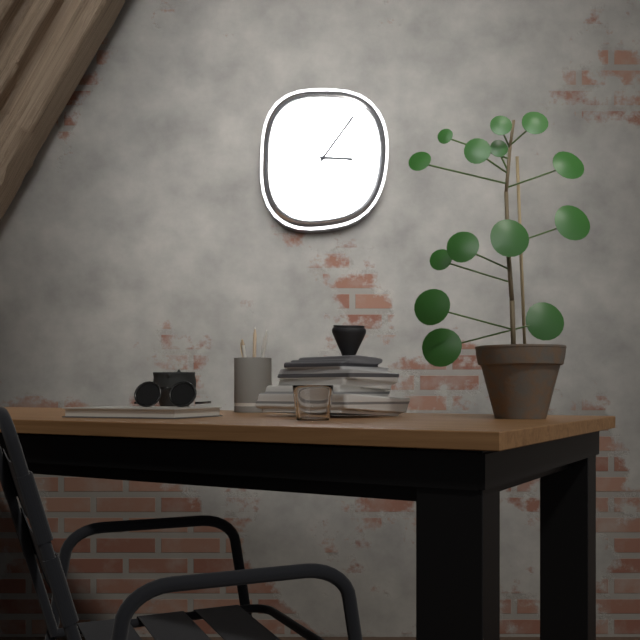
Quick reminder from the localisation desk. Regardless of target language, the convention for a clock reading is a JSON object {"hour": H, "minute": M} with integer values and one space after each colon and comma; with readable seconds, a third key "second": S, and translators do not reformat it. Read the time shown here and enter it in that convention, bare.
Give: {"hour": 3, "minute": 6}
